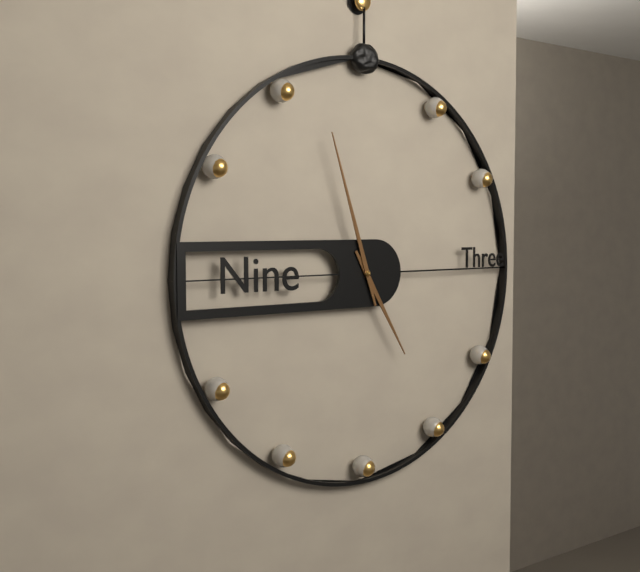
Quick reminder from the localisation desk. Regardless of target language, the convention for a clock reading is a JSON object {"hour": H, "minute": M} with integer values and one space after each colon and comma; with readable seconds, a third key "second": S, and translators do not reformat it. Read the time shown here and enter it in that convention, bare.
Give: {"hour": 4, "minute": 57}
